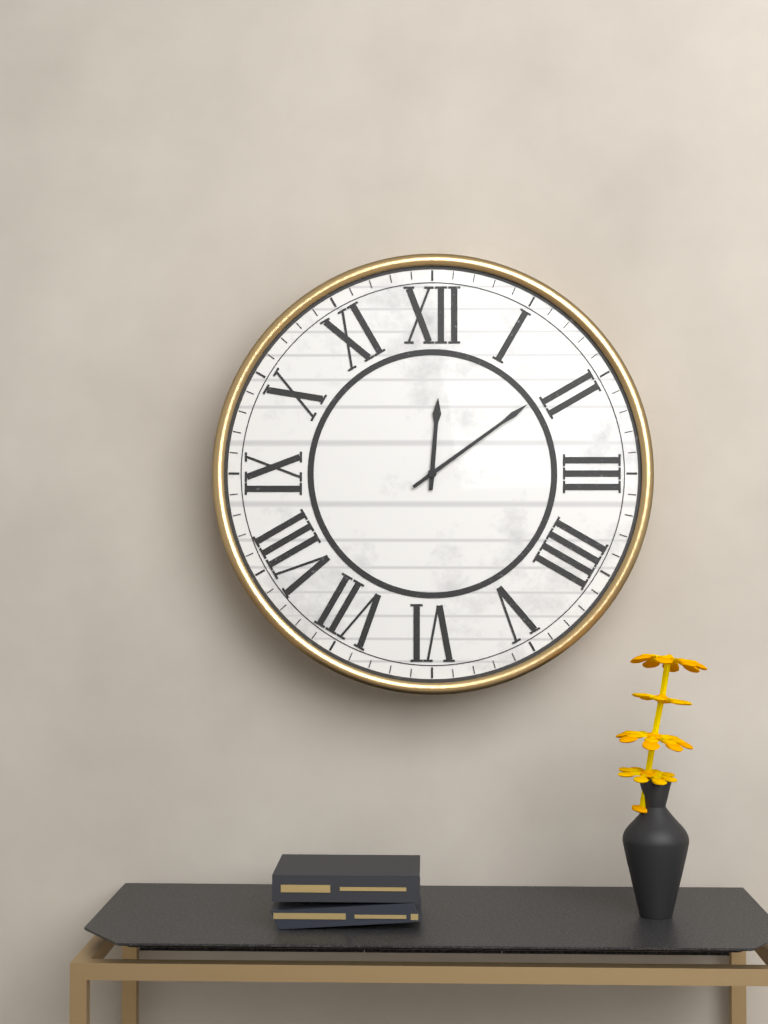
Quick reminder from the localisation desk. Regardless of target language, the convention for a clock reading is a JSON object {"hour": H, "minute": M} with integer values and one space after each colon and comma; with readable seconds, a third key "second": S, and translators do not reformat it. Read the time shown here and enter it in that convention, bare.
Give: {"hour": 12, "minute": 9}
